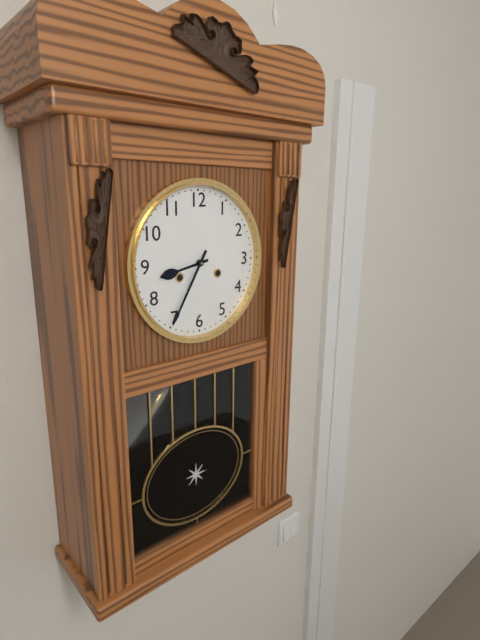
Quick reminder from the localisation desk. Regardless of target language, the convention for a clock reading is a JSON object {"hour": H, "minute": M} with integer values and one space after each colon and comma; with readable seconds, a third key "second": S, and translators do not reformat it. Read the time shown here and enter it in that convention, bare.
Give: {"hour": 8, "minute": 35}
